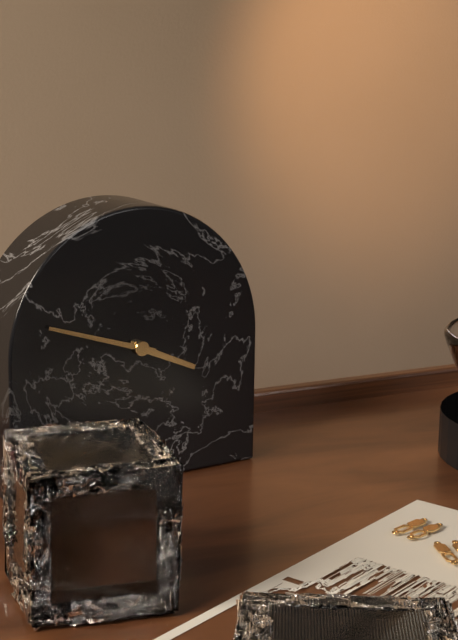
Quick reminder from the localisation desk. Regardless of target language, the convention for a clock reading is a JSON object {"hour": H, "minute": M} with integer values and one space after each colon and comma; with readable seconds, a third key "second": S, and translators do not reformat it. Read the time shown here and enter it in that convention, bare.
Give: {"hour": 3, "minute": 48}
